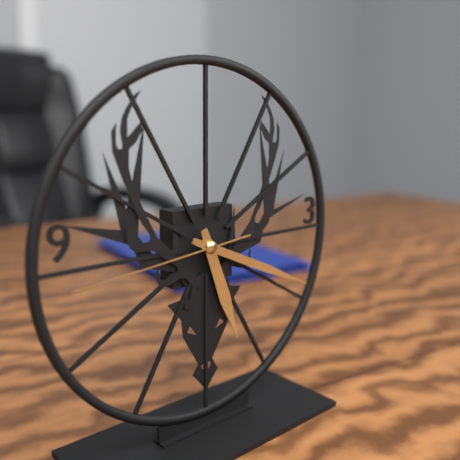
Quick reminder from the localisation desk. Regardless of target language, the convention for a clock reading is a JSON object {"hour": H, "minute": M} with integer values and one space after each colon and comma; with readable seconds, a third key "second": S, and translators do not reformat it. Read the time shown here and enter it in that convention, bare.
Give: {"hour": 5, "minute": 19, "second": 44}
